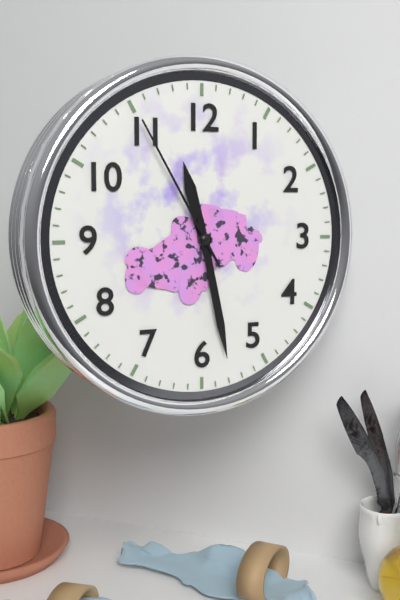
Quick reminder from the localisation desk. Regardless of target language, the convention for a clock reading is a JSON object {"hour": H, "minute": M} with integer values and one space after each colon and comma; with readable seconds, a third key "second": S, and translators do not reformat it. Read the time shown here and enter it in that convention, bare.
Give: {"hour": 11, "minute": 28, "second": 55}
